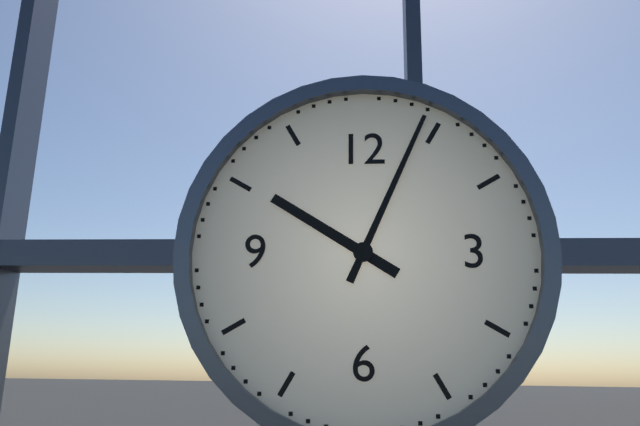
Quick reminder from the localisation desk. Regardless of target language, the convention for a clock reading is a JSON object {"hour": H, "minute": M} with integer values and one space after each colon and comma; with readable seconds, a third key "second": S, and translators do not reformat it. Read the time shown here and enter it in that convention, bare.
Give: {"hour": 10, "minute": 4}
